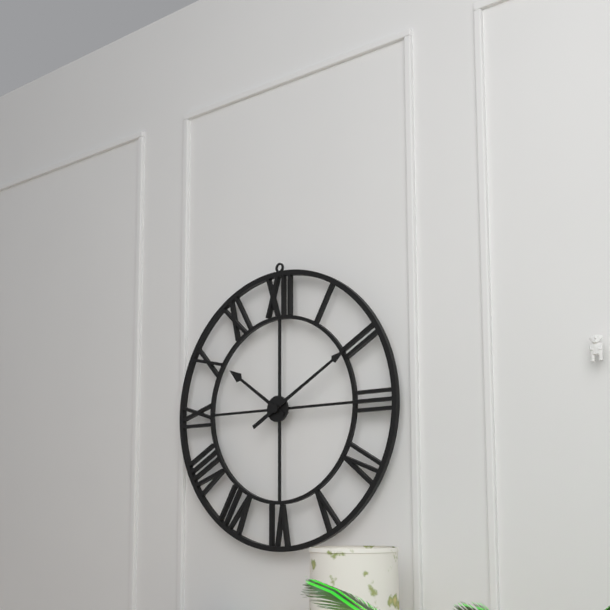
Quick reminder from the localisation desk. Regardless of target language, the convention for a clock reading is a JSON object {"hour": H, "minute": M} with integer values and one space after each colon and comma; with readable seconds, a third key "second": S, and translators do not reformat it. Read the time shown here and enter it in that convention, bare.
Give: {"hour": 10, "minute": 10}
